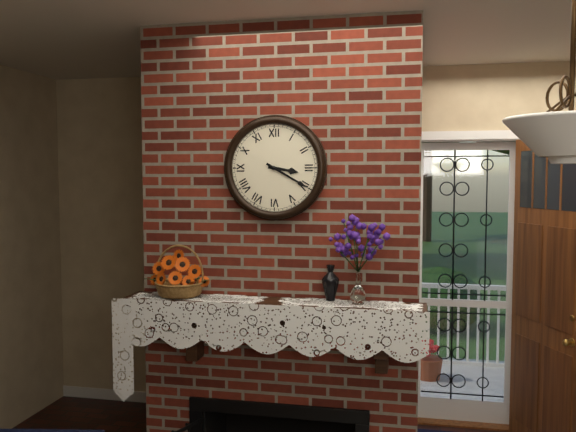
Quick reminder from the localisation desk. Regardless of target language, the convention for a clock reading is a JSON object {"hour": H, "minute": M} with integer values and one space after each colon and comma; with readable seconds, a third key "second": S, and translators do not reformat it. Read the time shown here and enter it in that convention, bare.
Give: {"hour": 3, "minute": 20}
